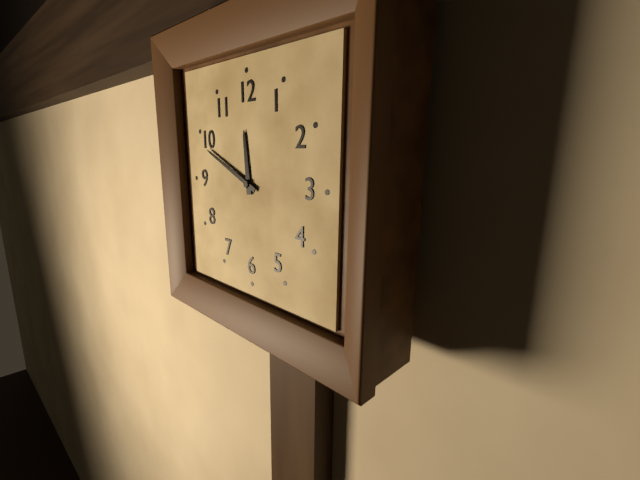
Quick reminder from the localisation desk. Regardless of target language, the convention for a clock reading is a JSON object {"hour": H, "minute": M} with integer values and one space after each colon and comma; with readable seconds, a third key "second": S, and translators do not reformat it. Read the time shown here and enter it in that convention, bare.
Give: {"hour": 11, "minute": 49}
